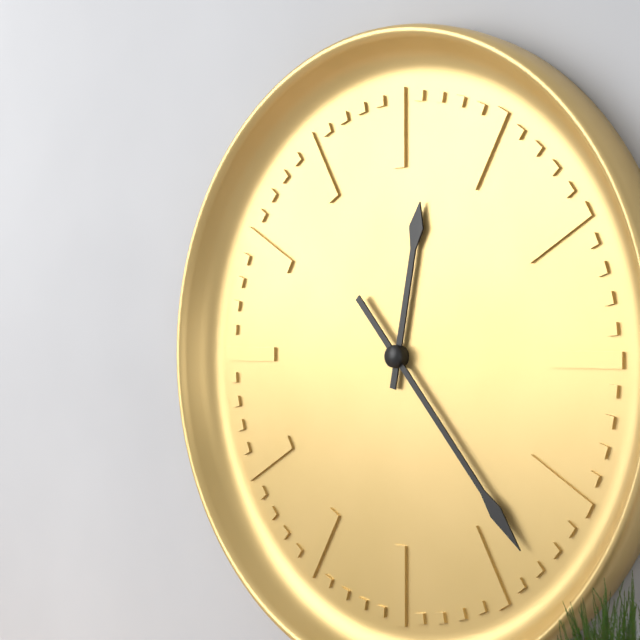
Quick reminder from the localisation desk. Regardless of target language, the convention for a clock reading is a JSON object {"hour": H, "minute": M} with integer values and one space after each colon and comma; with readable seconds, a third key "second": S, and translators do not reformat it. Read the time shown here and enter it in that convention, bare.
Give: {"hour": 12, "minute": 23}
